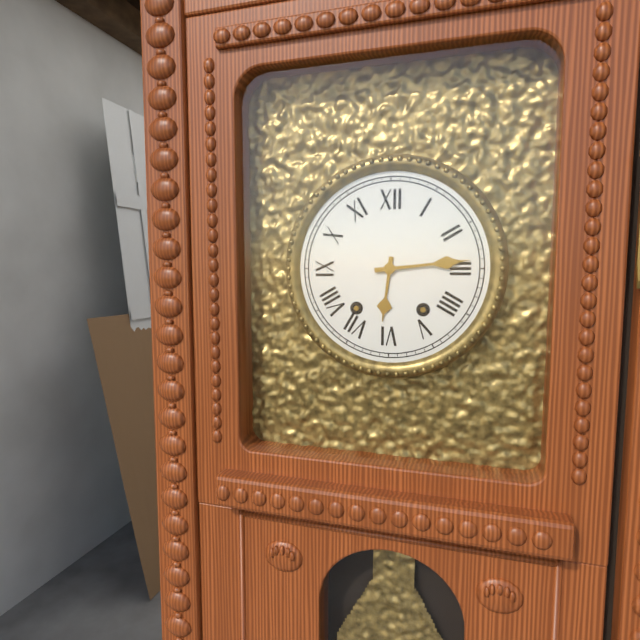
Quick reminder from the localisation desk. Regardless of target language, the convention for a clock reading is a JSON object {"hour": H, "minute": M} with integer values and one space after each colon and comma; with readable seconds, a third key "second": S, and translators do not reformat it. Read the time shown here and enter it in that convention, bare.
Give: {"hour": 6, "minute": 14}
